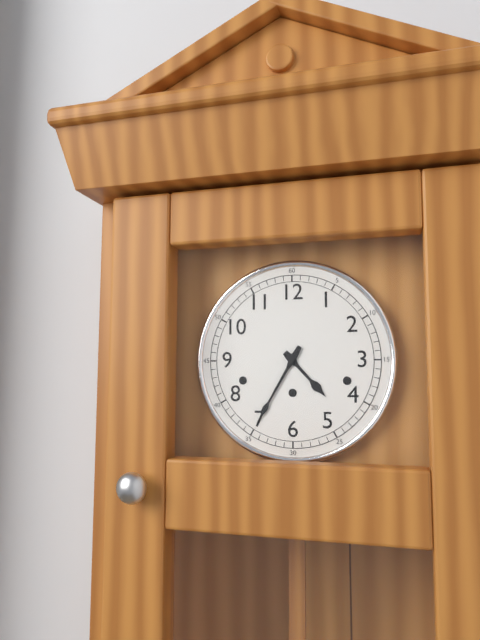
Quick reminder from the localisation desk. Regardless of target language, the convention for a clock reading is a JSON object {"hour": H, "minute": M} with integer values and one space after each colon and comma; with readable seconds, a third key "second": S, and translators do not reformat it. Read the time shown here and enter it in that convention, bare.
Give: {"hour": 4, "minute": 35}
